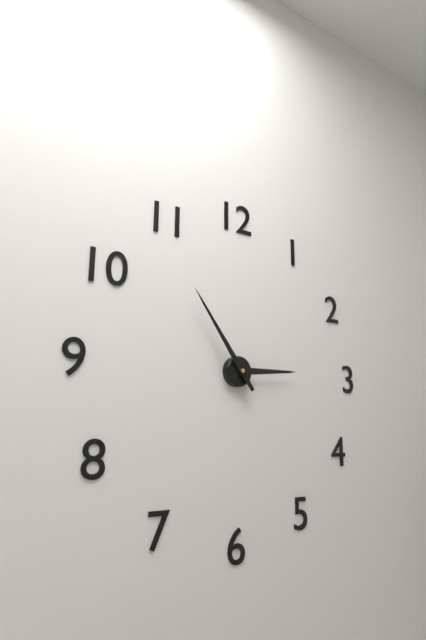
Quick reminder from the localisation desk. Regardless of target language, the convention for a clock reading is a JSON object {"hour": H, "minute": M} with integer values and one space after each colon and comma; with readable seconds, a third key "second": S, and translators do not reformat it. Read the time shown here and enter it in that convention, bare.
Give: {"hour": 2, "minute": 54}
